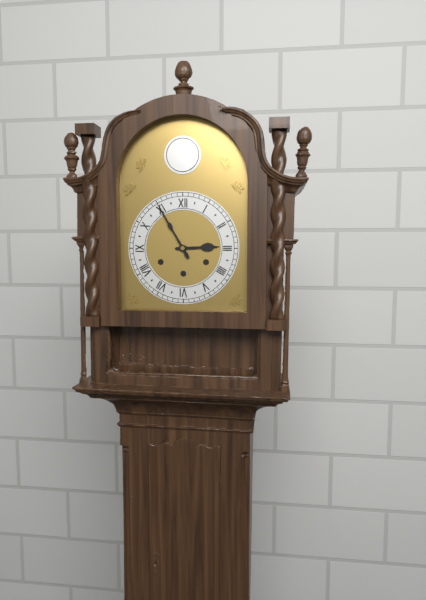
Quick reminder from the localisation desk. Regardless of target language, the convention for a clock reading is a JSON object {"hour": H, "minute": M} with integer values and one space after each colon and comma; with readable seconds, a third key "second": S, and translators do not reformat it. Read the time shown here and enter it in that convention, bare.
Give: {"hour": 2, "minute": 55}
